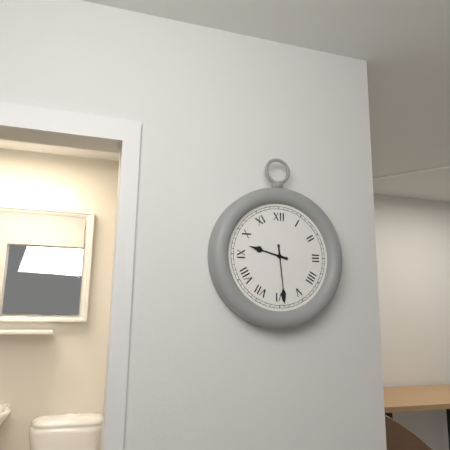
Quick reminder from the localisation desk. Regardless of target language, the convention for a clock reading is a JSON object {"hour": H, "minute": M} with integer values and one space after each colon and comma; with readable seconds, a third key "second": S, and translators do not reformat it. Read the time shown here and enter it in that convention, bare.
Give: {"hour": 9, "minute": 29}
